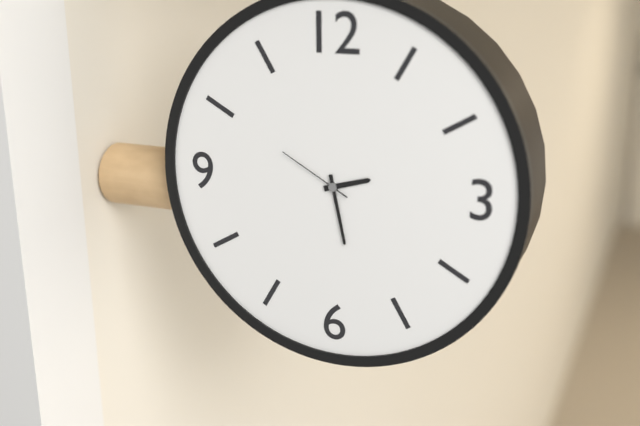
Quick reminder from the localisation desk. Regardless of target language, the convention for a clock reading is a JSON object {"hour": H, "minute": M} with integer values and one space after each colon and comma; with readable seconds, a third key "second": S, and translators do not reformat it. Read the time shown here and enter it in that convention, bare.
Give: {"hour": 2, "minute": 28, "second": 50}
